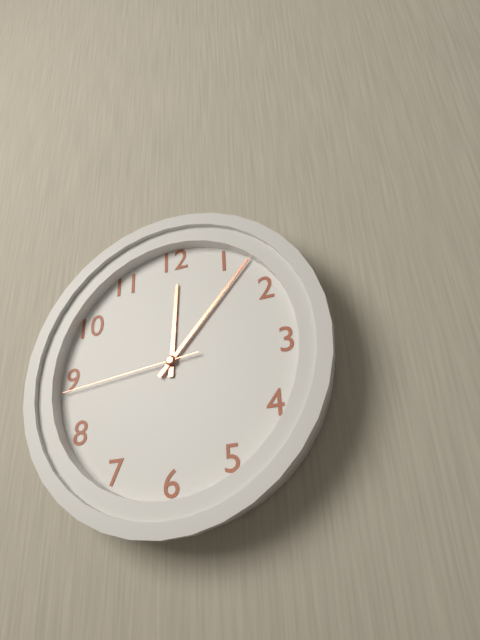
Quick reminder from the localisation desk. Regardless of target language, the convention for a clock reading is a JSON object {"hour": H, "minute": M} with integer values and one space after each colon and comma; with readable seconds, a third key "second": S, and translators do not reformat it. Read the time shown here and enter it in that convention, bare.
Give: {"hour": 12, "minute": 7, "second": 44}
